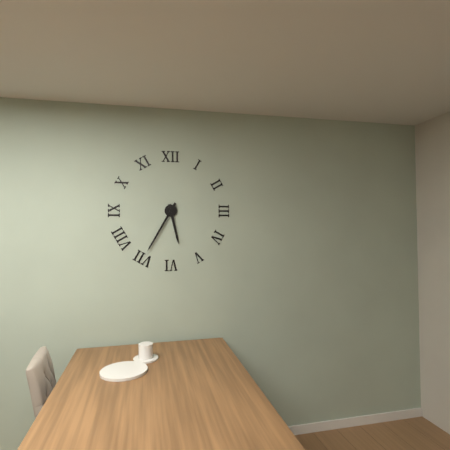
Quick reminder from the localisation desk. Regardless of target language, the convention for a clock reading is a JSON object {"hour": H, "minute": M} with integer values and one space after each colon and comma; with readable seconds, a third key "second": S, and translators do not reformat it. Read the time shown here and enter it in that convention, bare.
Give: {"hour": 5, "minute": 35}
